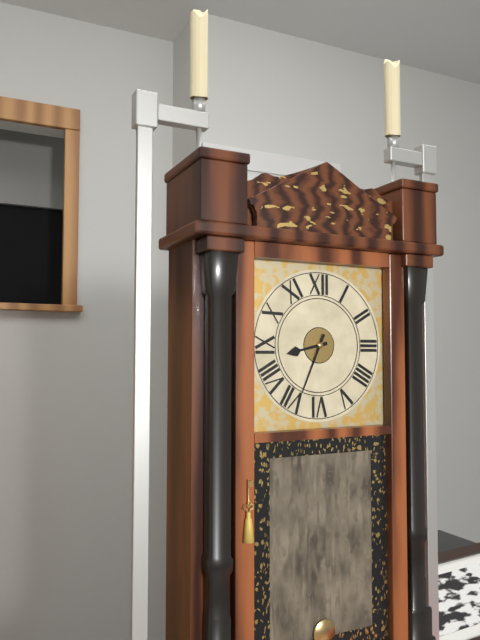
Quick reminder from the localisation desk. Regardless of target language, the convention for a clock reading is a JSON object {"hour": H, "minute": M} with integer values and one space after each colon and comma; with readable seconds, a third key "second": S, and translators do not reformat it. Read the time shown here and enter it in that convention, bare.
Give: {"hour": 8, "minute": 34}
